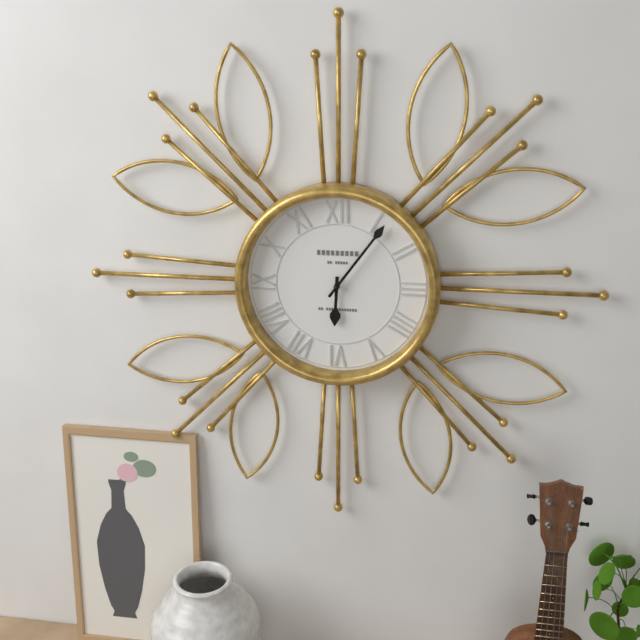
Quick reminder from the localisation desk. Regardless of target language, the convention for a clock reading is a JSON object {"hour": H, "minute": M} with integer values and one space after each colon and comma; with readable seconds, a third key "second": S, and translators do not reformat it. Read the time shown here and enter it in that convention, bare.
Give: {"hour": 6, "minute": 6}
